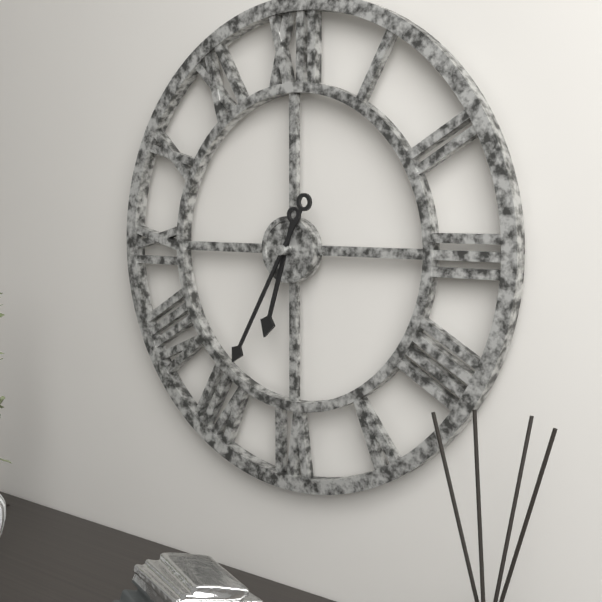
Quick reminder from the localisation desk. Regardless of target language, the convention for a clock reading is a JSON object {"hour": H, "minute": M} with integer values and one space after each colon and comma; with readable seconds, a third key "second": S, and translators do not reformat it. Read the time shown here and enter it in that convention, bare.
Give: {"hour": 6, "minute": 35}
